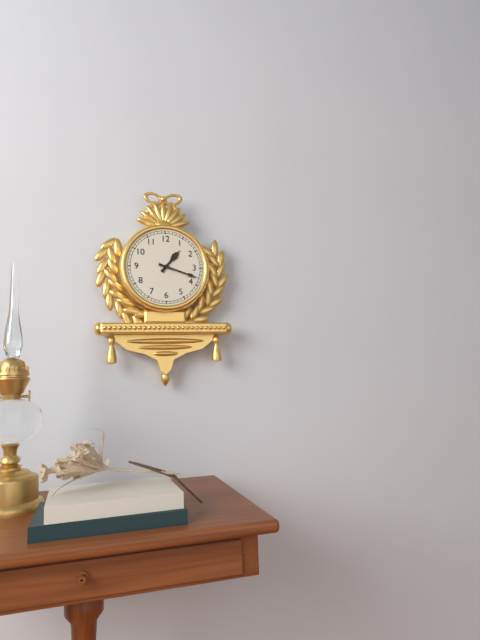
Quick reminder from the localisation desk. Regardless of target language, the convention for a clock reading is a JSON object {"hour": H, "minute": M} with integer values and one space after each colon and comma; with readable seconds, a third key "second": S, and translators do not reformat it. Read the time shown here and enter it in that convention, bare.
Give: {"hour": 1, "minute": 18}
